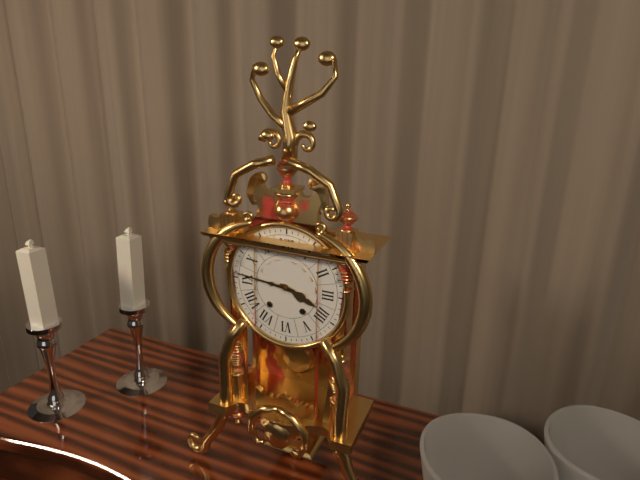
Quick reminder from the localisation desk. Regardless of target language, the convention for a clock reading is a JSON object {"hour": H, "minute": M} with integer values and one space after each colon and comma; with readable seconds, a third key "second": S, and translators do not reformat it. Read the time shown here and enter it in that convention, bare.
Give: {"hour": 3, "minute": 46}
